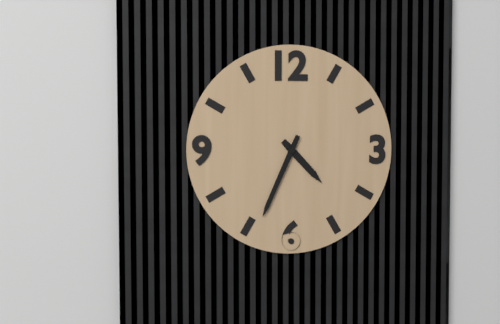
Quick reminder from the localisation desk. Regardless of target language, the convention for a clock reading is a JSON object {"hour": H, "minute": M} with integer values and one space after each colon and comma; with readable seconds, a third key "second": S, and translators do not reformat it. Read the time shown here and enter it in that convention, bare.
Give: {"hour": 4, "minute": 34}
